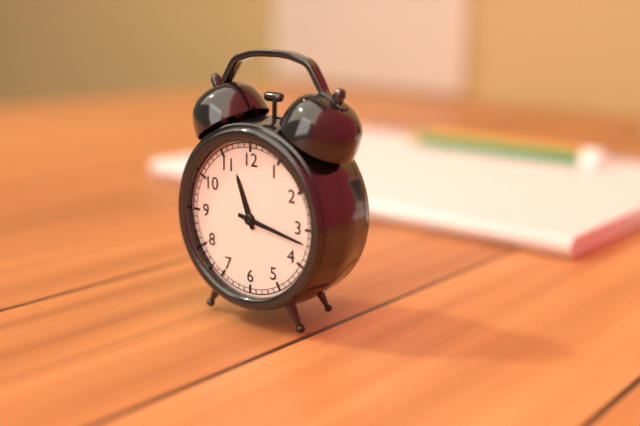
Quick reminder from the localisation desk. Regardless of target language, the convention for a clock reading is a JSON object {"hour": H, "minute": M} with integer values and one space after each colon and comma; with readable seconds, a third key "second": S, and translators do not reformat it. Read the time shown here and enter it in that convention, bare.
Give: {"hour": 11, "minute": 17}
